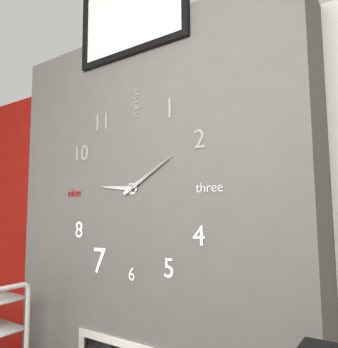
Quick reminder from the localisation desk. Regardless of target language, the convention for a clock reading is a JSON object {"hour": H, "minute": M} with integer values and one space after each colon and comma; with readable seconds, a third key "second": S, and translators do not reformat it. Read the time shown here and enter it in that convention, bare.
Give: {"hour": 9, "minute": 10}
